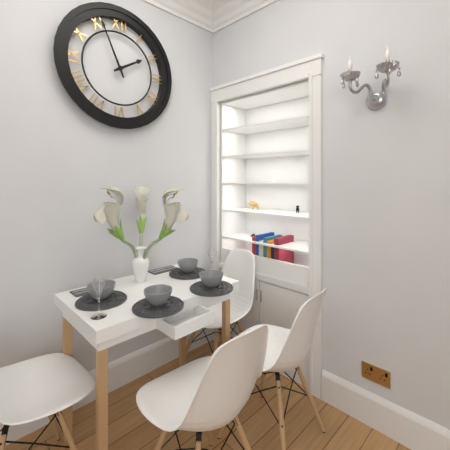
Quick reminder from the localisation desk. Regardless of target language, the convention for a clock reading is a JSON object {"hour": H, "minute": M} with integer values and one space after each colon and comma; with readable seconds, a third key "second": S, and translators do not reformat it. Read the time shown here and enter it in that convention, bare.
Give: {"hour": 1, "minute": 56}
